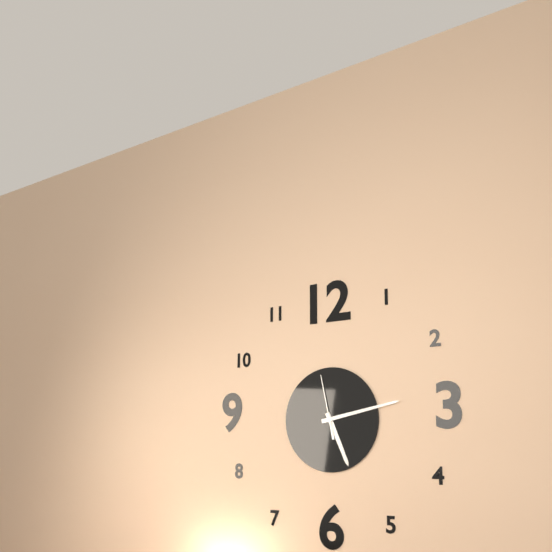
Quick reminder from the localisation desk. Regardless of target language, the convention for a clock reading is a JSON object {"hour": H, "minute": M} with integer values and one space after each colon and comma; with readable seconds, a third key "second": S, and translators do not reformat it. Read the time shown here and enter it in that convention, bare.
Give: {"hour": 5, "minute": 13, "second": 58}
